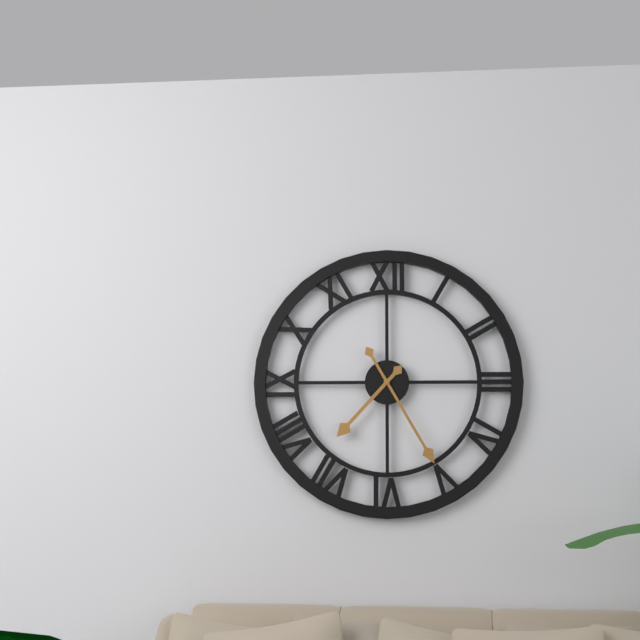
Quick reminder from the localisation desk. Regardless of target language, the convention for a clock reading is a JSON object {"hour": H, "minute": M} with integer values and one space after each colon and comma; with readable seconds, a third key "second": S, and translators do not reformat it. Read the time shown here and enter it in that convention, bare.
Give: {"hour": 7, "minute": 25}
